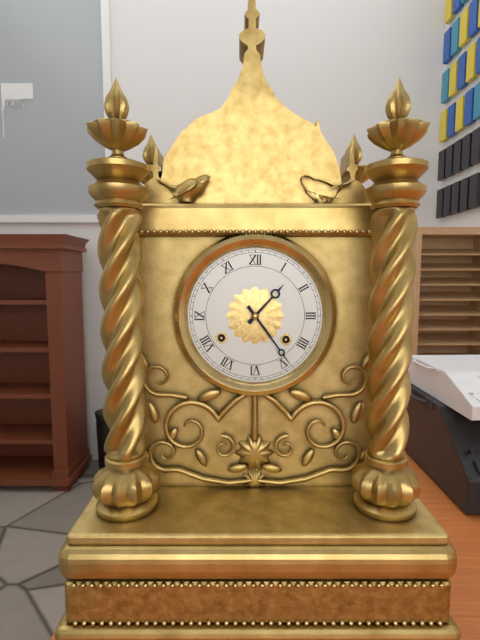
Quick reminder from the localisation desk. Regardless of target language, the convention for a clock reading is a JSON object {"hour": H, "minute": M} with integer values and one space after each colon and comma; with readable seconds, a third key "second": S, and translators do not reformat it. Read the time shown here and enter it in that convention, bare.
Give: {"hour": 1, "minute": 24}
